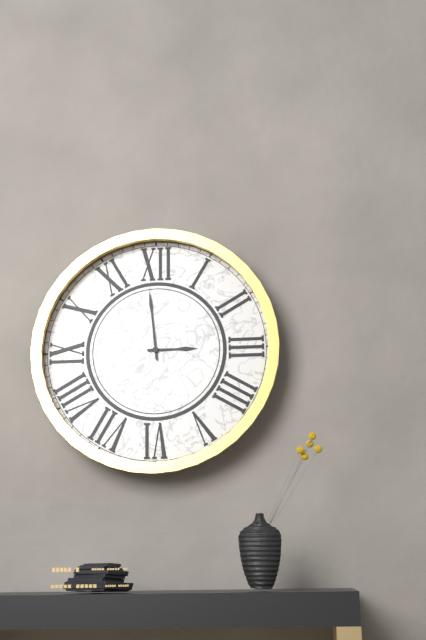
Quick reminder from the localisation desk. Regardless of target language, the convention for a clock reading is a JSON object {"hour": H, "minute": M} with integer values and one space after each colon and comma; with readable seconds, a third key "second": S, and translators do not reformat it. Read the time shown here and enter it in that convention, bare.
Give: {"hour": 2, "minute": 59}
